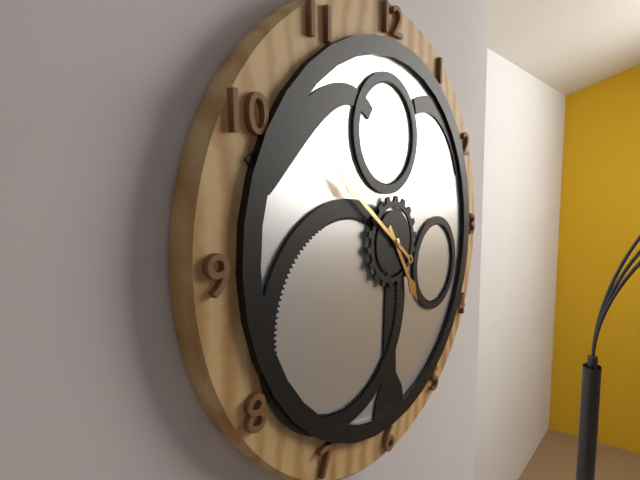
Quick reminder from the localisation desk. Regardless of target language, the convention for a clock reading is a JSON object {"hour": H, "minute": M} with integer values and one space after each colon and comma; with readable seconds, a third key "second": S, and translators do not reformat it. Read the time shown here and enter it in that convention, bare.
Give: {"hour": 4, "minute": 51}
